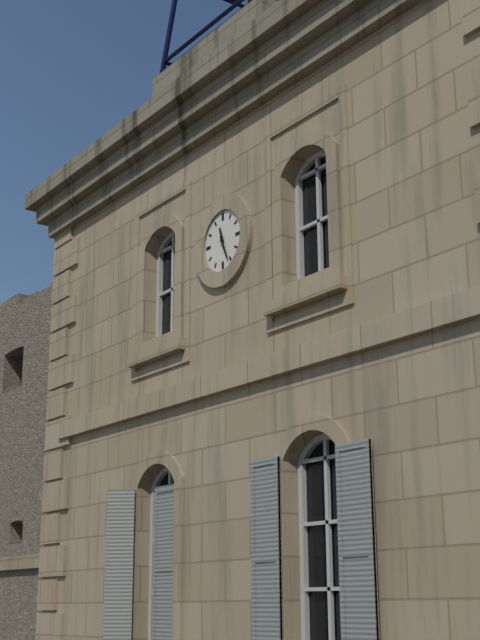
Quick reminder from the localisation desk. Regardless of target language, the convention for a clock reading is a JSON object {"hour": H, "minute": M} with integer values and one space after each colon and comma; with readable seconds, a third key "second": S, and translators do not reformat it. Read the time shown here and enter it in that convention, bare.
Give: {"hour": 11, "minute": 26}
